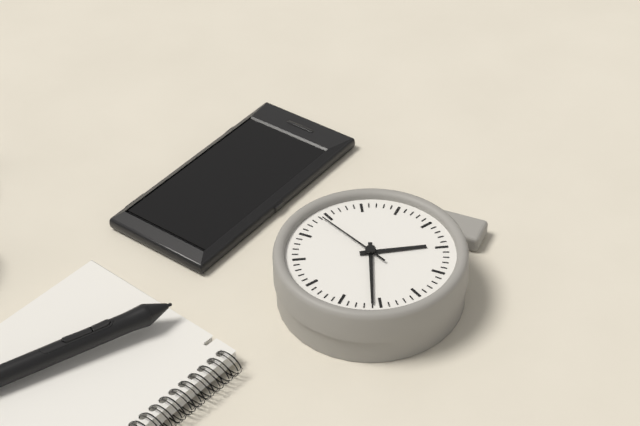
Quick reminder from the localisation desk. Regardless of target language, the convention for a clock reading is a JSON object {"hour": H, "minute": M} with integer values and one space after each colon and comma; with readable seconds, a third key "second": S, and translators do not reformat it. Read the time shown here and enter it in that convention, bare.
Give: {"hour": 7, "minute": 56, "second": 19}
